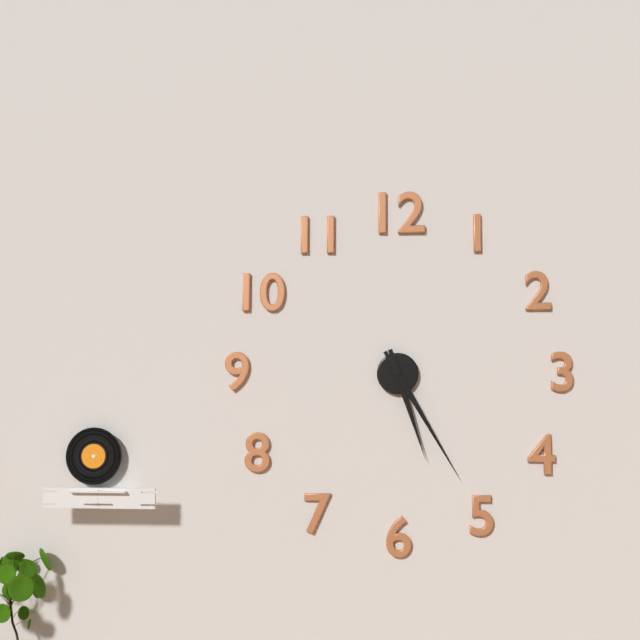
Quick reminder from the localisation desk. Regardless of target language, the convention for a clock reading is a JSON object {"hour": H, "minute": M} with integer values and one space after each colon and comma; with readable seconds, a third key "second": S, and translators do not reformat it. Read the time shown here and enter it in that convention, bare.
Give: {"hour": 5, "minute": 25}
